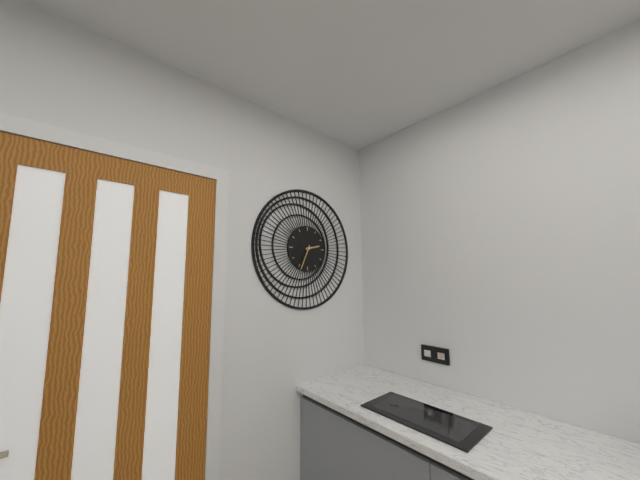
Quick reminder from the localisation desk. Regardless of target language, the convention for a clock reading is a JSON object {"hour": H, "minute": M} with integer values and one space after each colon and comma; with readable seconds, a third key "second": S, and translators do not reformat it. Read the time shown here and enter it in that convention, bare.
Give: {"hour": 2, "minute": 34}
